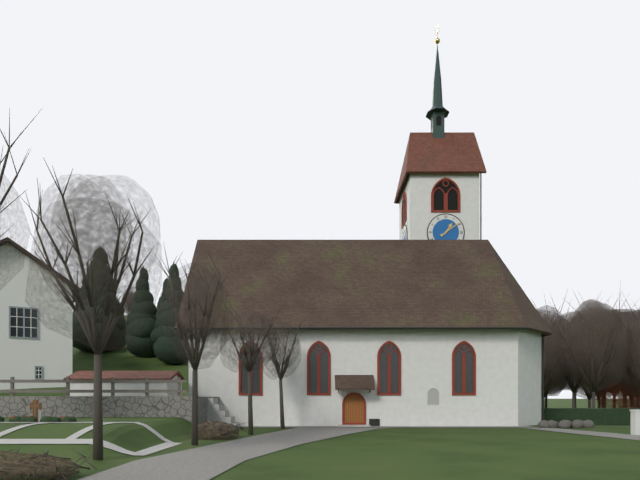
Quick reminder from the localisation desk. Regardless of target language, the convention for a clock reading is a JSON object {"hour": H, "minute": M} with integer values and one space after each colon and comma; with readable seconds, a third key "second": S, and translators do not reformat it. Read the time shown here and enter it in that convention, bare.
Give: {"hour": 1, "minute": 9}
